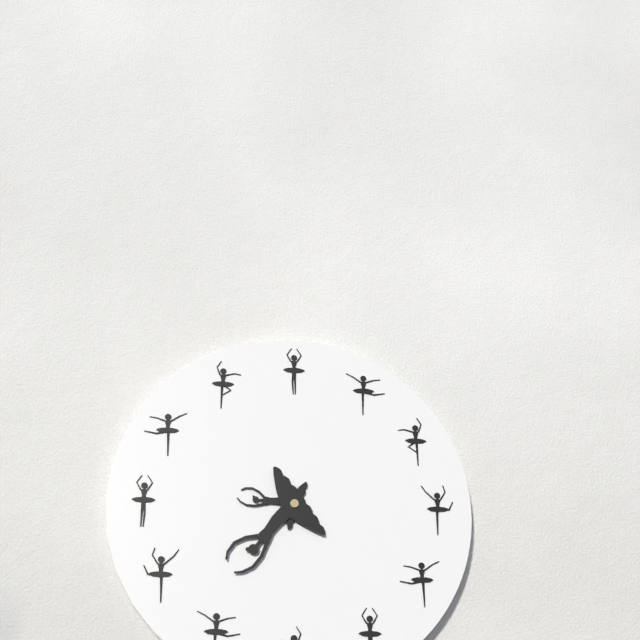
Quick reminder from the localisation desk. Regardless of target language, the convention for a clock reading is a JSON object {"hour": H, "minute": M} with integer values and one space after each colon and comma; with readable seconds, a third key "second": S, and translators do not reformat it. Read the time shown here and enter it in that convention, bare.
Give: {"hour": 9, "minute": 39}
